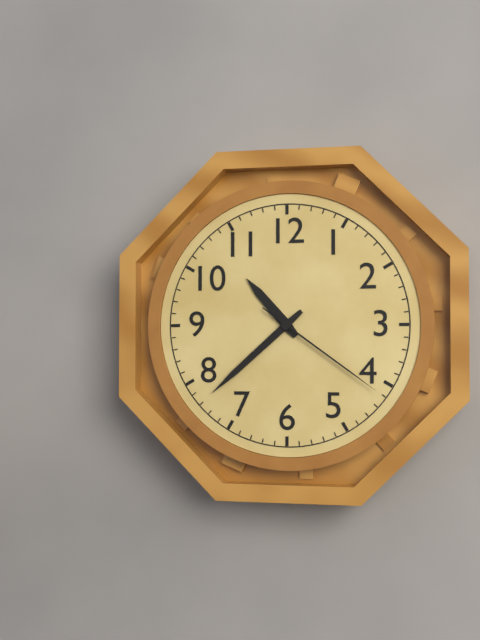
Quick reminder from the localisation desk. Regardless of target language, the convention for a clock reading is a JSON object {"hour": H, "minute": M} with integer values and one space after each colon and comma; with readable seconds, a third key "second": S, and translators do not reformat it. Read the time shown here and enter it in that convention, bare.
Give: {"hour": 10, "minute": 38, "second": 21}
